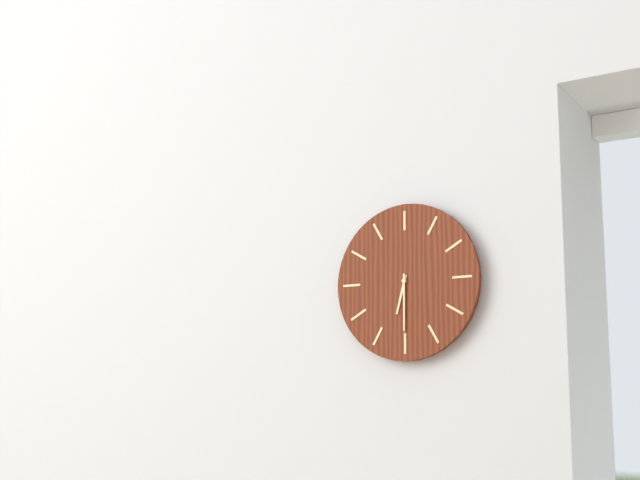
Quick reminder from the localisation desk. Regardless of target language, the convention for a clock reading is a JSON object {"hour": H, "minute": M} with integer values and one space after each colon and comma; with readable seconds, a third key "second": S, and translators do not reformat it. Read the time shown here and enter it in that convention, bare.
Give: {"hour": 6, "minute": 30}
